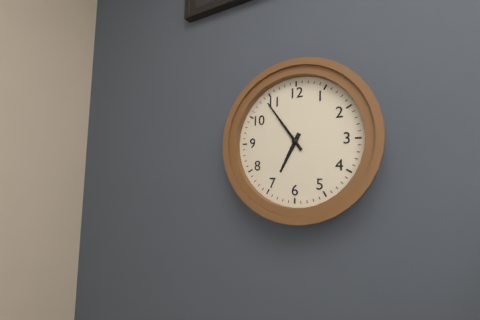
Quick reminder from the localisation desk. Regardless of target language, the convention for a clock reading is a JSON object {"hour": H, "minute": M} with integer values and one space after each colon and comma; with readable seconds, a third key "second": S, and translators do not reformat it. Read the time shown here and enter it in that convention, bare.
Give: {"hour": 6, "minute": 54}
